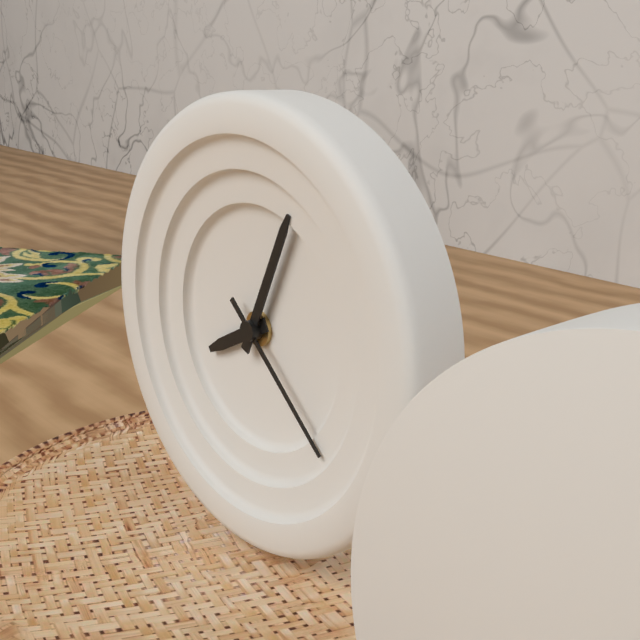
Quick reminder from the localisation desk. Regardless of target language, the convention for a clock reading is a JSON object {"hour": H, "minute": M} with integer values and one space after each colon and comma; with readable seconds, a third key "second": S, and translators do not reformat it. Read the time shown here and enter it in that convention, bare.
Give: {"hour": 8, "minute": 4, "second": 22}
